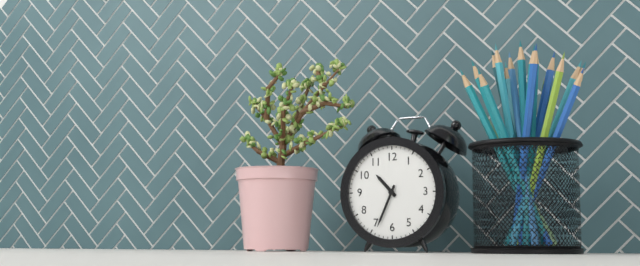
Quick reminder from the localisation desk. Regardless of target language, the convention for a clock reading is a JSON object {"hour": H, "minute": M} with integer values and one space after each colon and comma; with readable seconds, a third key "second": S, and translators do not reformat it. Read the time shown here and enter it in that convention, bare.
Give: {"hour": 10, "minute": 34}
